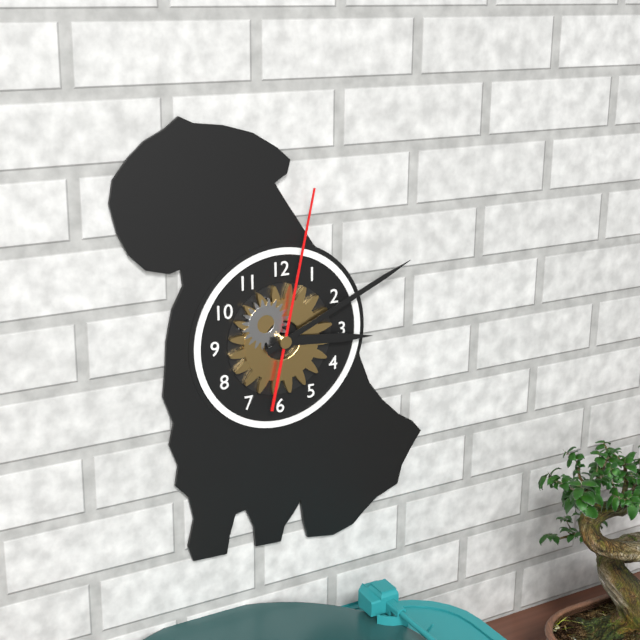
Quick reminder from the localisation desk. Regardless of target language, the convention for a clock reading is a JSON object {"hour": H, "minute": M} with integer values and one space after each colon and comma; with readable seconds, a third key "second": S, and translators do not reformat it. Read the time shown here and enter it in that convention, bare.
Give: {"hour": 3, "minute": 11, "second": 2}
